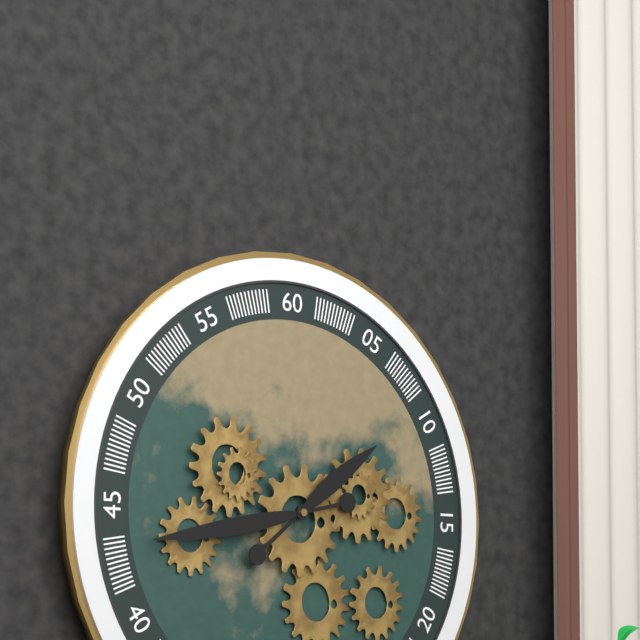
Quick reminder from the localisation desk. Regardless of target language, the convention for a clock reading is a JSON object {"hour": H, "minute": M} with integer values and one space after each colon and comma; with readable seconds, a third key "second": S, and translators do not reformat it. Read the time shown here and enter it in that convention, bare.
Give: {"hour": 1, "minute": 43}
